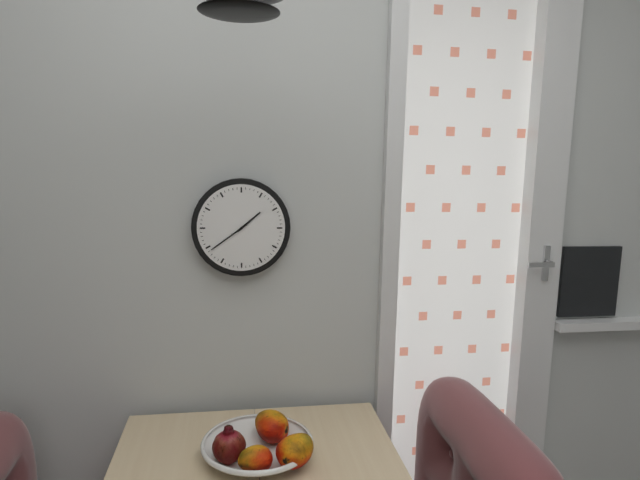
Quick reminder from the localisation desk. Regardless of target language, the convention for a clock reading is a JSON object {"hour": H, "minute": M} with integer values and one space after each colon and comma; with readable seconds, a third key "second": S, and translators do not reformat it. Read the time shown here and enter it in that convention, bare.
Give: {"hour": 1, "minute": 39}
